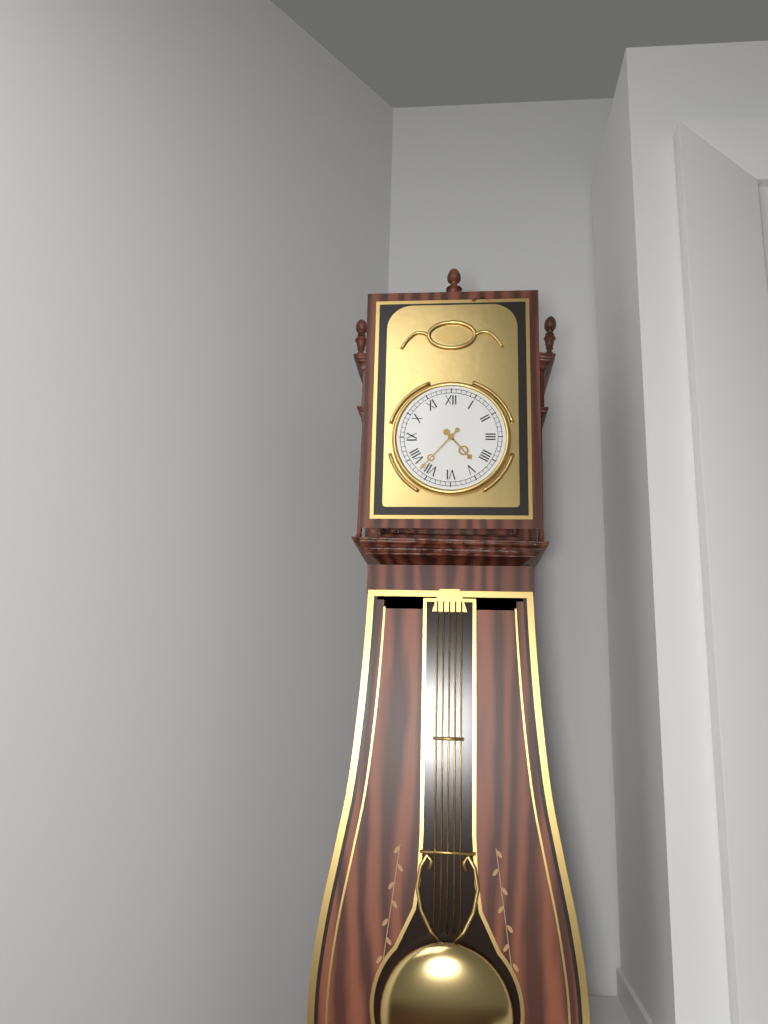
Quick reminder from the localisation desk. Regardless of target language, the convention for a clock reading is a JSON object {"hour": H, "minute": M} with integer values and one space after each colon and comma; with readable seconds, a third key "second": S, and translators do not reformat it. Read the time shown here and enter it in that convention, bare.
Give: {"hour": 4, "minute": 37}
